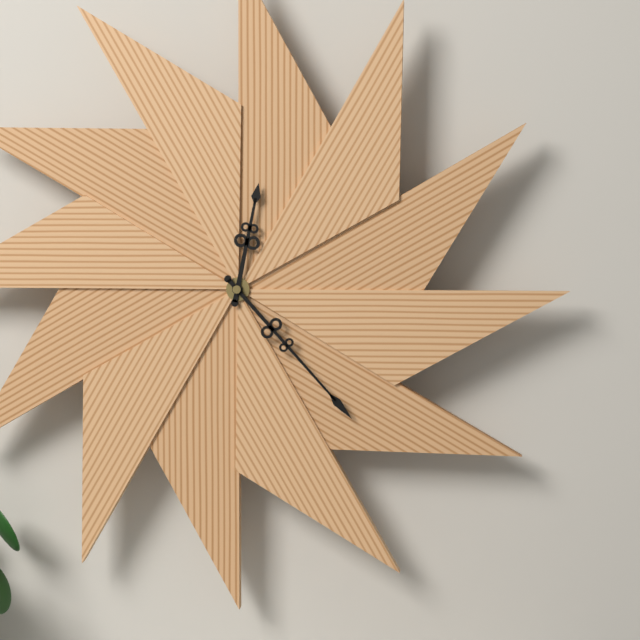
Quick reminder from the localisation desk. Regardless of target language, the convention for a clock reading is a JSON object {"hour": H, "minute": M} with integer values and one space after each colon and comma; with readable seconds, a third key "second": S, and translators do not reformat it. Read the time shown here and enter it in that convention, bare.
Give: {"hour": 12, "minute": 23}
